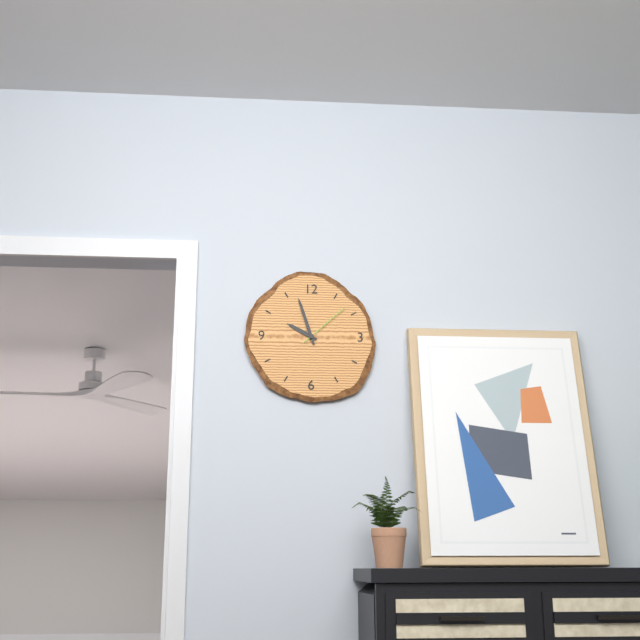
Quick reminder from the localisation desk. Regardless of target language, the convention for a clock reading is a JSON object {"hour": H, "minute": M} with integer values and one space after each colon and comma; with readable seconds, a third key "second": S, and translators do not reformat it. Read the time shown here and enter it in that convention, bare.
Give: {"hour": 9, "minute": 57, "second": 8}
